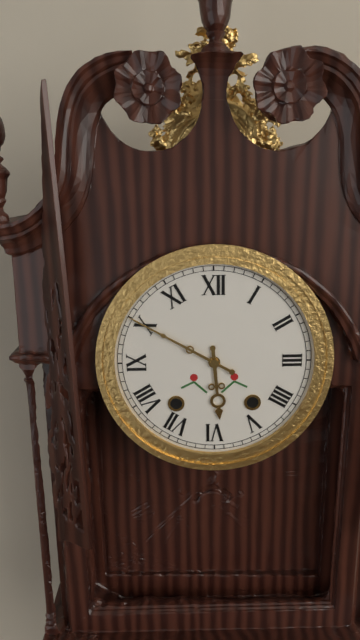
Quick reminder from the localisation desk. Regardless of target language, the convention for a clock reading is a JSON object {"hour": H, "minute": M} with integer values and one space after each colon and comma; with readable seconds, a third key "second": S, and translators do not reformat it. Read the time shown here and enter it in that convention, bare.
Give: {"hour": 5, "minute": 50}
